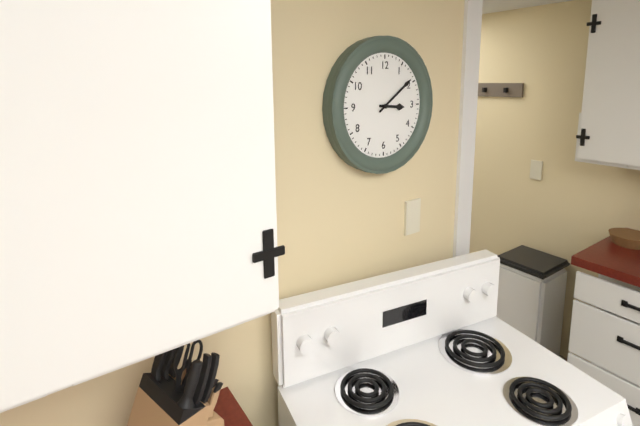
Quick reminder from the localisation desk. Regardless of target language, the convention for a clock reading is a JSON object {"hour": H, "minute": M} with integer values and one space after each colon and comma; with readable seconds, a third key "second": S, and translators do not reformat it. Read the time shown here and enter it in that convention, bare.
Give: {"hour": 3, "minute": 9}
